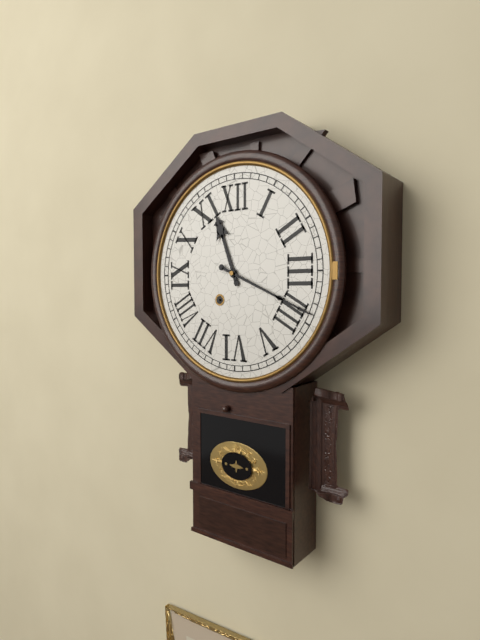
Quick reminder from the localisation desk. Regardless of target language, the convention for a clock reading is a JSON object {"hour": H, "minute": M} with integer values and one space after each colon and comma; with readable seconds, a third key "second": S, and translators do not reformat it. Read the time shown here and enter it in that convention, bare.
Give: {"hour": 11, "minute": 19}
